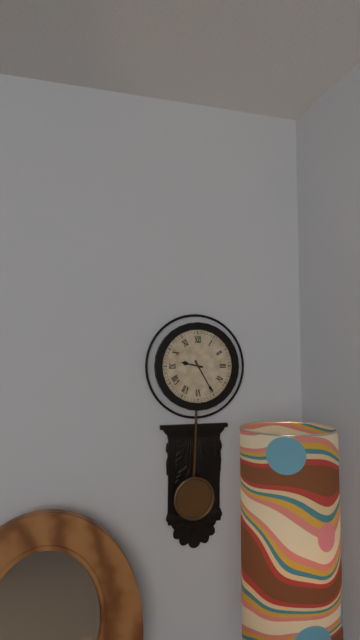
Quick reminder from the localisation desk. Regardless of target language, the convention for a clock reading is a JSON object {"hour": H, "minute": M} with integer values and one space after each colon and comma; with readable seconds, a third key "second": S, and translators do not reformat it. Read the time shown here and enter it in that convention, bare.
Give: {"hour": 9, "minute": 25}
